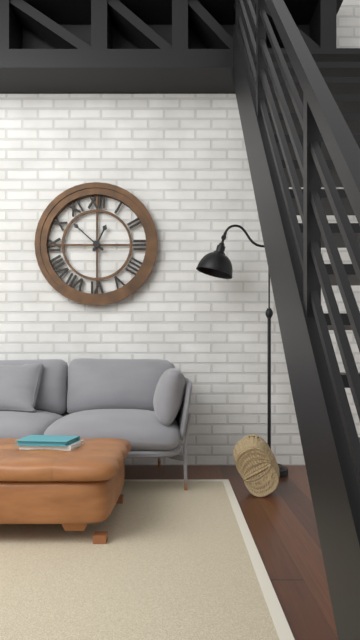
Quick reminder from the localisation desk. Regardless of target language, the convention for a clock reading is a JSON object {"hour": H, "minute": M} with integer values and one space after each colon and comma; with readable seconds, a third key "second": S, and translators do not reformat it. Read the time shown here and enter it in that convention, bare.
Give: {"hour": 12, "minute": 52}
